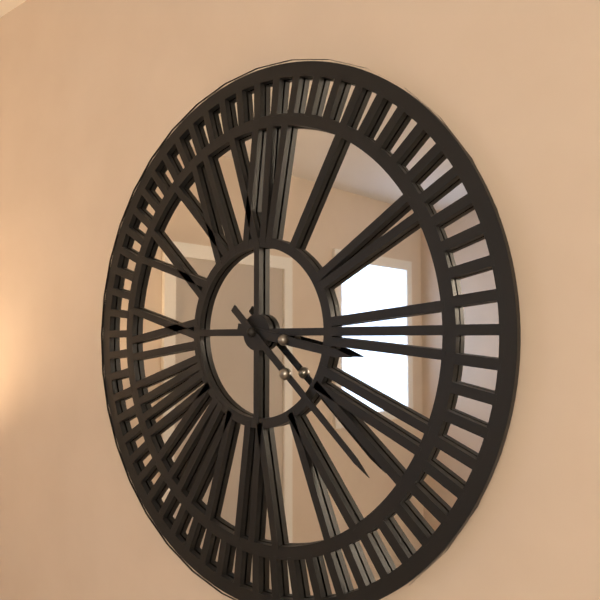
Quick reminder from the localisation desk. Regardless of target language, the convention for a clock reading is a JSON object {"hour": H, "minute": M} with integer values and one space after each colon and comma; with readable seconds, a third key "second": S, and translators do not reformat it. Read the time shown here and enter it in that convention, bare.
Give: {"hour": 3, "minute": 22}
